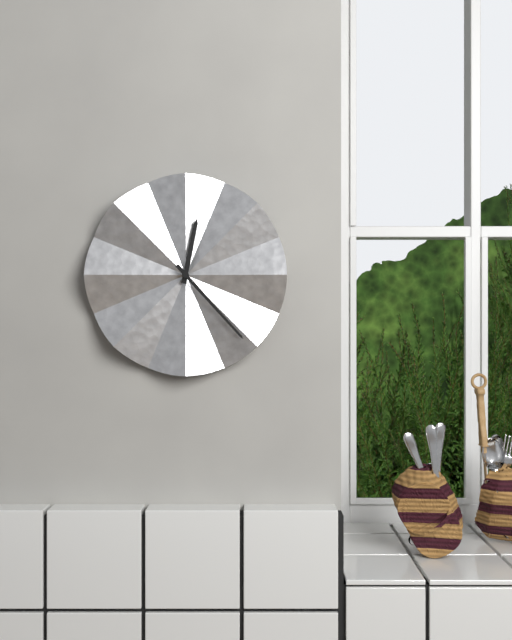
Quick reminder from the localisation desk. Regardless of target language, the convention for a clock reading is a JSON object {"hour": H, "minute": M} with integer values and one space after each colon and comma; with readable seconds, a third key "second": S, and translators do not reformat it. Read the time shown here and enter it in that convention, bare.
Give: {"hour": 12, "minute": 23}
